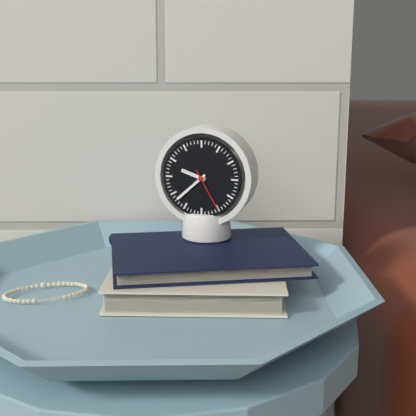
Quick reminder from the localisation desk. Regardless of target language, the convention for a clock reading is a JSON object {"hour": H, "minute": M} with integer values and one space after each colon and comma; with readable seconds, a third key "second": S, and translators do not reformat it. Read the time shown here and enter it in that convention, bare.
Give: {"hour": 9, "minute": 38}
